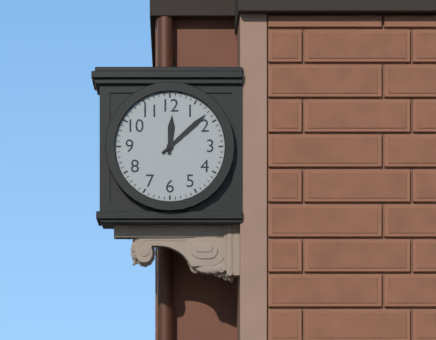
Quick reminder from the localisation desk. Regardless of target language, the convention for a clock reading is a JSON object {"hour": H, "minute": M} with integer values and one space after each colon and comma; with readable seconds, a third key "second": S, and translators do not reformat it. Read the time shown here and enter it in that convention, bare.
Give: {"hour": 12, "minute": 8}
